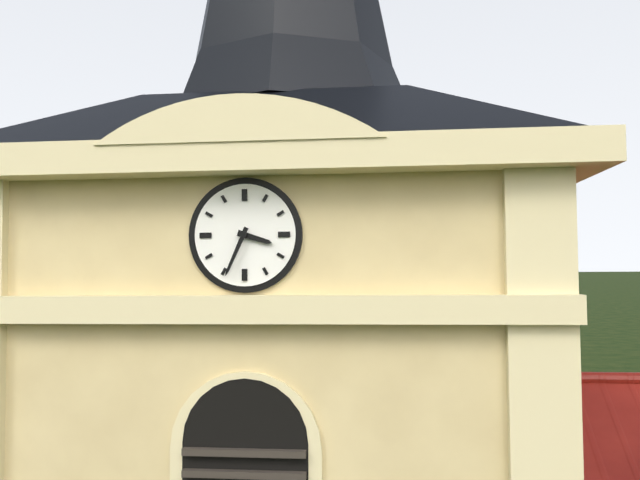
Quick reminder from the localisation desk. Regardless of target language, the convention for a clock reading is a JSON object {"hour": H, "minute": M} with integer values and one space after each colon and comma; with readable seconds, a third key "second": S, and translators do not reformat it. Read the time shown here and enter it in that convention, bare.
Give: {"hour": 3, "minute": 34}
